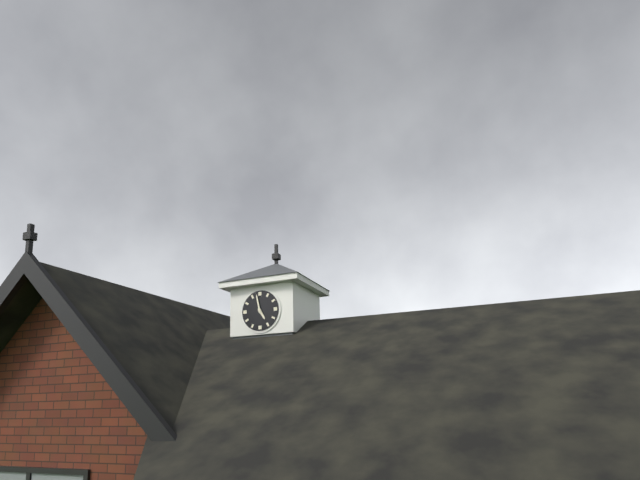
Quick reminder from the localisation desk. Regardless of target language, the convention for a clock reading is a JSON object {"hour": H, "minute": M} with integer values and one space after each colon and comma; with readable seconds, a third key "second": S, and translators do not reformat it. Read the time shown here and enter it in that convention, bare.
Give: {"hour": 4, "minute": 58}
